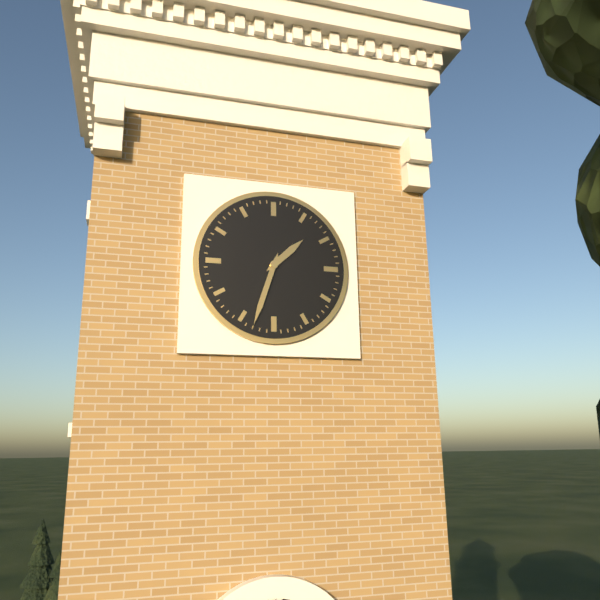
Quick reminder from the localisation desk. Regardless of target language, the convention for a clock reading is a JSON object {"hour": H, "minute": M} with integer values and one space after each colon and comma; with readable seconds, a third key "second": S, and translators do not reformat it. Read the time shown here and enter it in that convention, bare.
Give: {"hour": 1, "minute": 33}
